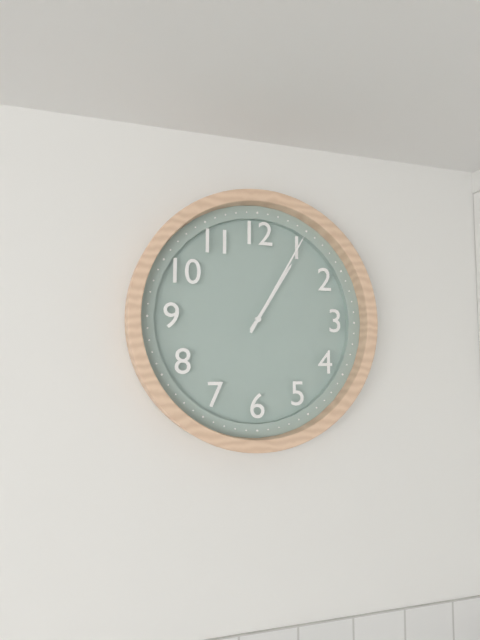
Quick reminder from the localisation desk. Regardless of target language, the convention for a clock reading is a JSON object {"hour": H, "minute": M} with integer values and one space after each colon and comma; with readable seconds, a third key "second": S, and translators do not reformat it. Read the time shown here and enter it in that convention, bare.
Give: {"hour": 1, "minute": 5}
